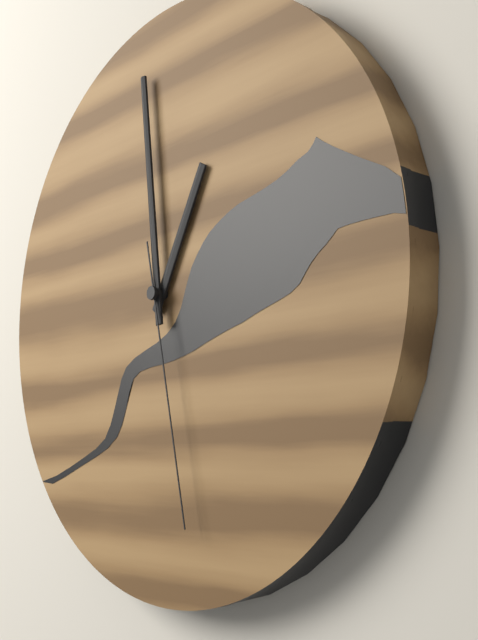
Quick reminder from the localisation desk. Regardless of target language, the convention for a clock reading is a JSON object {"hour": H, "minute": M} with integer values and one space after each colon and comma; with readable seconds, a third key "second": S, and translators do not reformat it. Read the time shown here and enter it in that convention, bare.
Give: {"hour": 12, "minute": 59, "second": 28}
